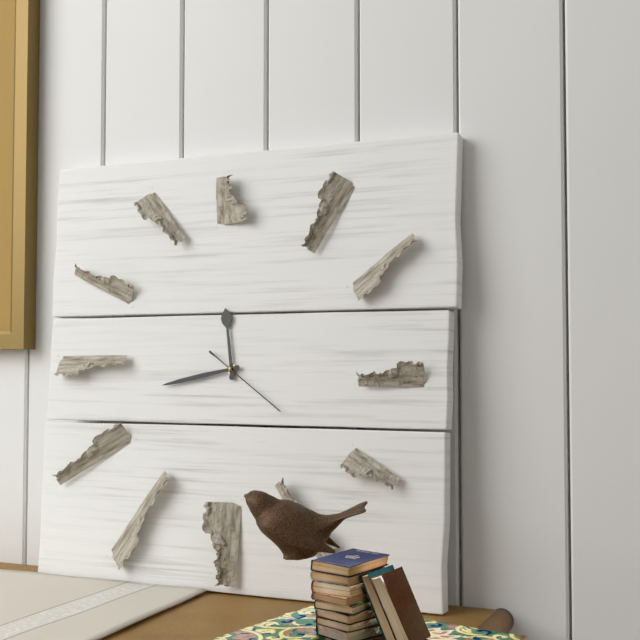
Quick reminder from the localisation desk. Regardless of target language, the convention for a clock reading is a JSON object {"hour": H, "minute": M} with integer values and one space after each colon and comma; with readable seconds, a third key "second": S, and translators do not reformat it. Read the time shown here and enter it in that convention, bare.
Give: {"hour": 11, "minute": 43, "second": 21}
